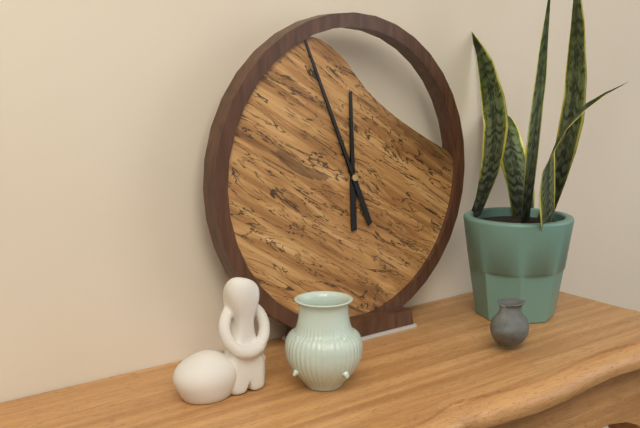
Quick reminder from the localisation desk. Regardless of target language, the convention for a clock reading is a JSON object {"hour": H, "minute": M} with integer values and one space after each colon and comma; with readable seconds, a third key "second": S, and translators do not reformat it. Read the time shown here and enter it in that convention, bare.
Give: {"hour": 11, "minute": 56}
